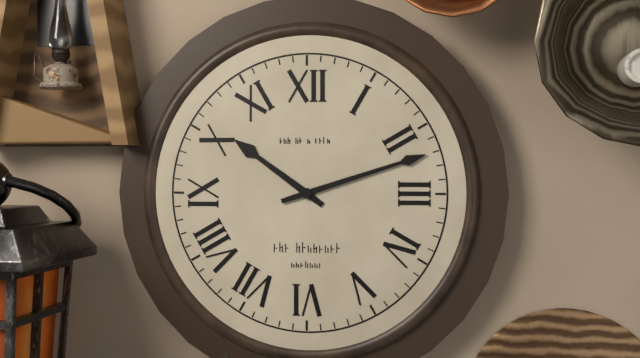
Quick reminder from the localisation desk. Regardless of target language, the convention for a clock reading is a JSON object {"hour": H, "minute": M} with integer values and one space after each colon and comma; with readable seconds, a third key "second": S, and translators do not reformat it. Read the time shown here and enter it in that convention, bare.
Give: {"hour": 10, "minute": 12}
